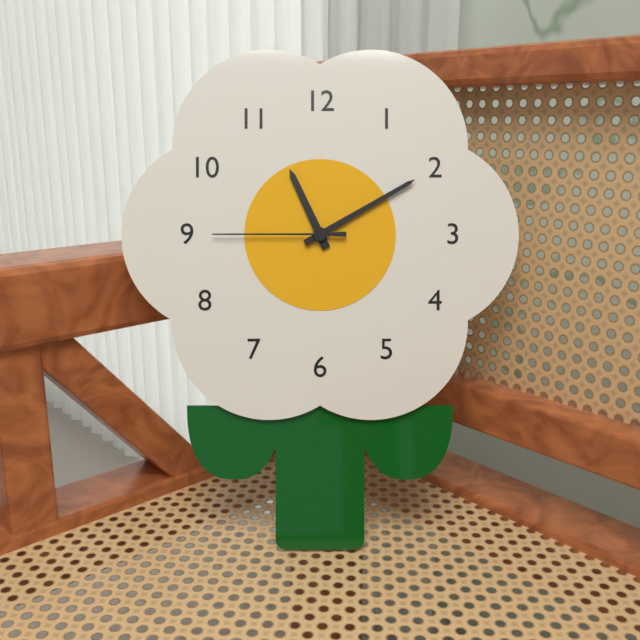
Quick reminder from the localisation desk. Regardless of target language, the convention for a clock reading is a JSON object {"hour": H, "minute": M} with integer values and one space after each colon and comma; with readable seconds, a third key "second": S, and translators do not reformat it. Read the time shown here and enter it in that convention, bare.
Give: {"hour": 11, "minute": 10, "second": 45}
